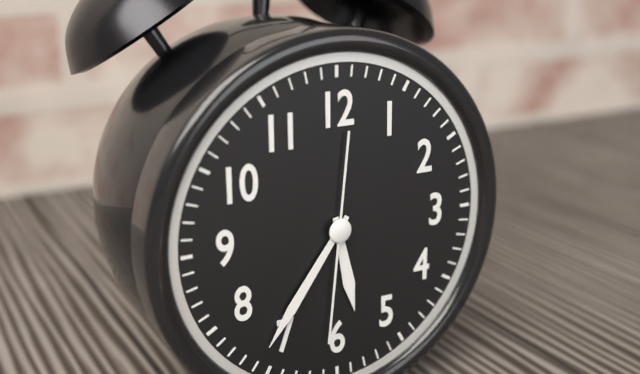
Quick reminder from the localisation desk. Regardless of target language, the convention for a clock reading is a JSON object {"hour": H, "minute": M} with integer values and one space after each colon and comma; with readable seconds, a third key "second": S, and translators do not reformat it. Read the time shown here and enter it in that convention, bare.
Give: {"hour": 5, "minute": 36, "second": 31}
